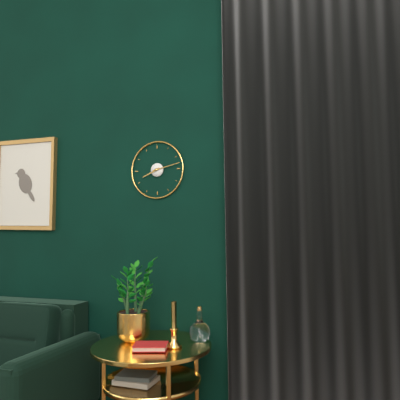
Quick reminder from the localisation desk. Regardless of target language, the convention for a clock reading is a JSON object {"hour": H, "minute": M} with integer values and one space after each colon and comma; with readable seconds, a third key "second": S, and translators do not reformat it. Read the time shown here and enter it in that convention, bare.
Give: {"hour": 8, "minute": 13}
